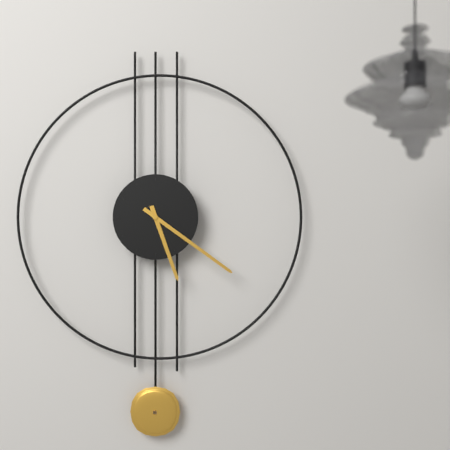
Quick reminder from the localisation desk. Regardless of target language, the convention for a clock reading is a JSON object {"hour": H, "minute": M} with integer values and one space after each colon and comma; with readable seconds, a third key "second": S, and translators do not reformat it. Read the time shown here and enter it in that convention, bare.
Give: {"hour": 5, "minute": 21}
